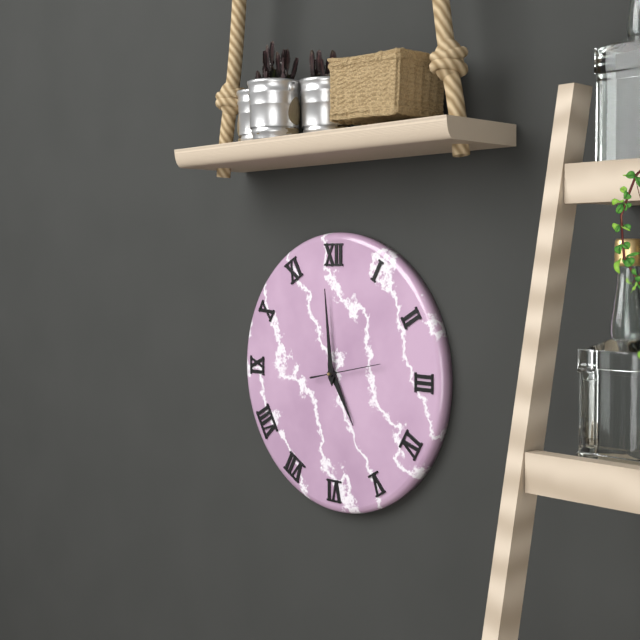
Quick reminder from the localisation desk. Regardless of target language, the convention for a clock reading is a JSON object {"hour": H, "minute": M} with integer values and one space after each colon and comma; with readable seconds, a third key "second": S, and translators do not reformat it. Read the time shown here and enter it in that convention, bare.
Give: {"hour": 4, "minute": 59}
